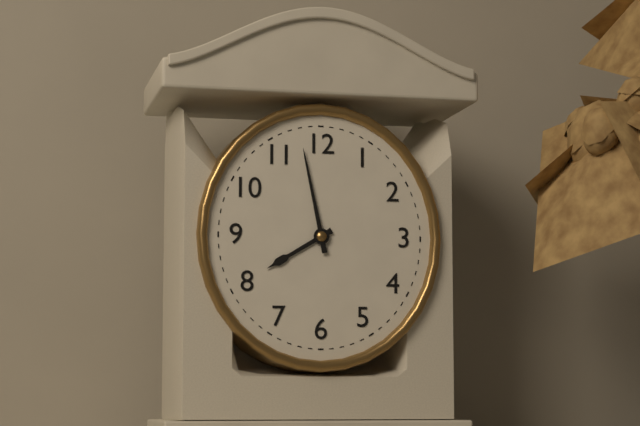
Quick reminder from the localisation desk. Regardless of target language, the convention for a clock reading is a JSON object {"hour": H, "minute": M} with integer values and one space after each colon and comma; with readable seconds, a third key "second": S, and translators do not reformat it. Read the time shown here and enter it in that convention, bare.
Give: {"hour": 7, "minute": 58}
